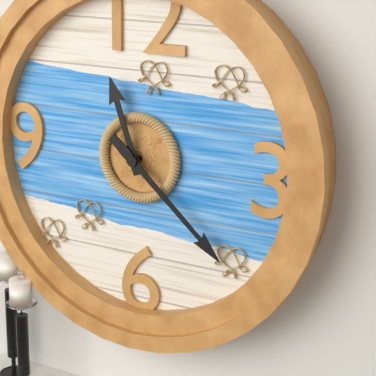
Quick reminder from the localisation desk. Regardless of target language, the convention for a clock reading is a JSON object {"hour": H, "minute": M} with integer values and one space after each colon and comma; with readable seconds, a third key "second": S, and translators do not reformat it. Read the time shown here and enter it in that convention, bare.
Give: {"hour": 11, "minute": 22}
